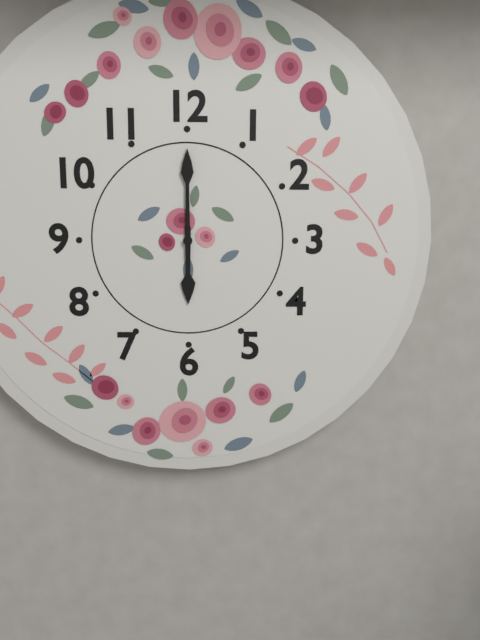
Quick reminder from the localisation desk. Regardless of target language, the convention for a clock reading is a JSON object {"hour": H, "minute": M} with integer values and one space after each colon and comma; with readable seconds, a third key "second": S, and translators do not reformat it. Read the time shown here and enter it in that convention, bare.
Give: {"hour": 6, "minute": 0}
